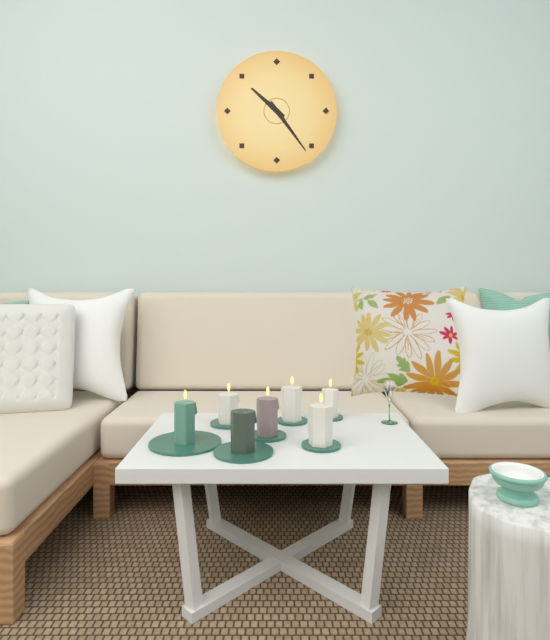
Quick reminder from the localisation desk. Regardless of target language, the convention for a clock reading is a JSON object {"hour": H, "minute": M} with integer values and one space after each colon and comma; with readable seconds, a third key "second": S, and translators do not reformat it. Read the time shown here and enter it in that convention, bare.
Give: {"hour": 10, "minute": 24}
